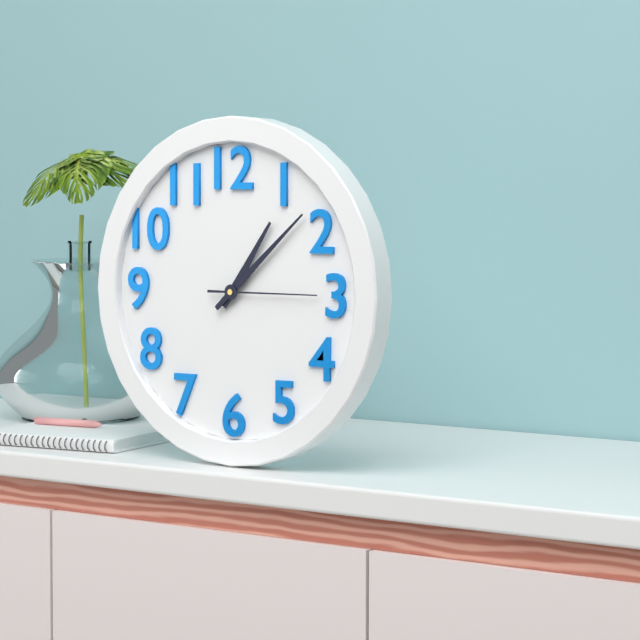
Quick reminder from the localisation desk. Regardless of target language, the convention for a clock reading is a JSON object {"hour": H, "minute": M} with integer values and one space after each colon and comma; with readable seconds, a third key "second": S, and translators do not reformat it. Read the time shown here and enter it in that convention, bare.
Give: {"hour": 1, "minute": 8, "second": 15}
